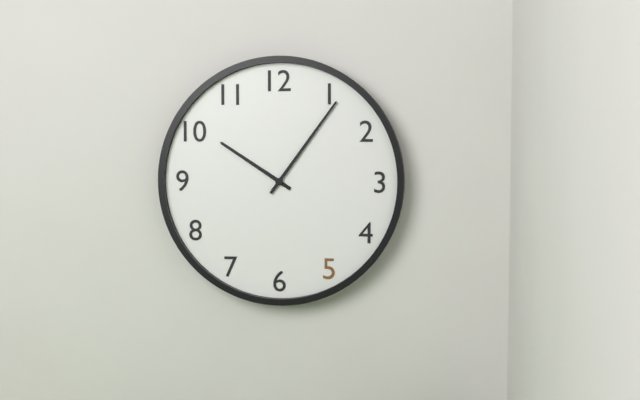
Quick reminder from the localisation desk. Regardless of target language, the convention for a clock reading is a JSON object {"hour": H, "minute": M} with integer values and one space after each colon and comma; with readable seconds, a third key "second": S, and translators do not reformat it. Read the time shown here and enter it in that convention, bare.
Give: {"hour": 10, "minute": 6}
